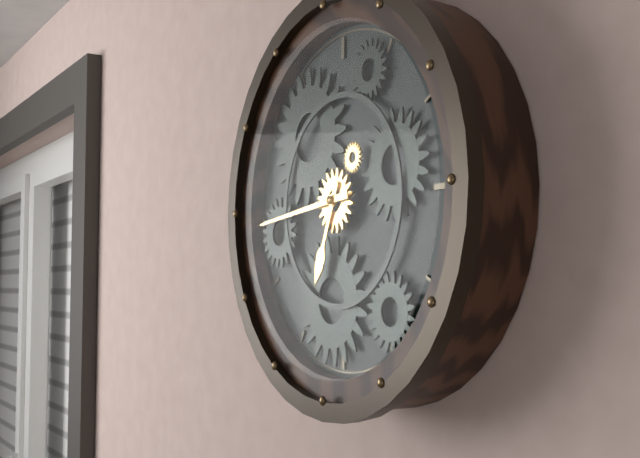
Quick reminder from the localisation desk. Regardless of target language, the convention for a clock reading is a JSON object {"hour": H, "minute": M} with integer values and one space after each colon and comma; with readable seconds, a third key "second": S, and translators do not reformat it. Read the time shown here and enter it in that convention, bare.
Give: {"hour": 6, "minute": 44}
